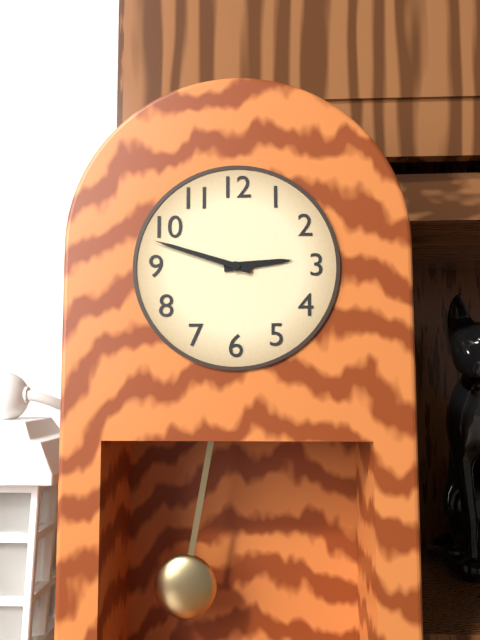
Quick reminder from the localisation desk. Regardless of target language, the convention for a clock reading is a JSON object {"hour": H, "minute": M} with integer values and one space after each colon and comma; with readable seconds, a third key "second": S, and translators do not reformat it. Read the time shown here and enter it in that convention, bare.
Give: {"hour": 2, "minute": 48}
